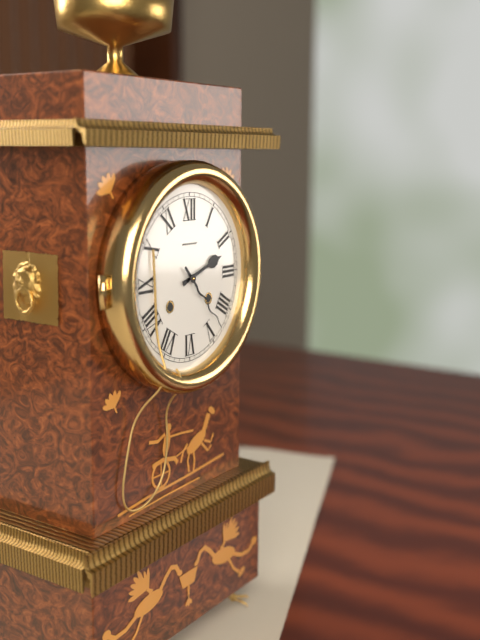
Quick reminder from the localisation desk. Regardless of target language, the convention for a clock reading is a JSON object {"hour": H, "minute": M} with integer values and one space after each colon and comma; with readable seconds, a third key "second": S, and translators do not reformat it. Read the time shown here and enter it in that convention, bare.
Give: {"hour": 2, "minute": 23}
